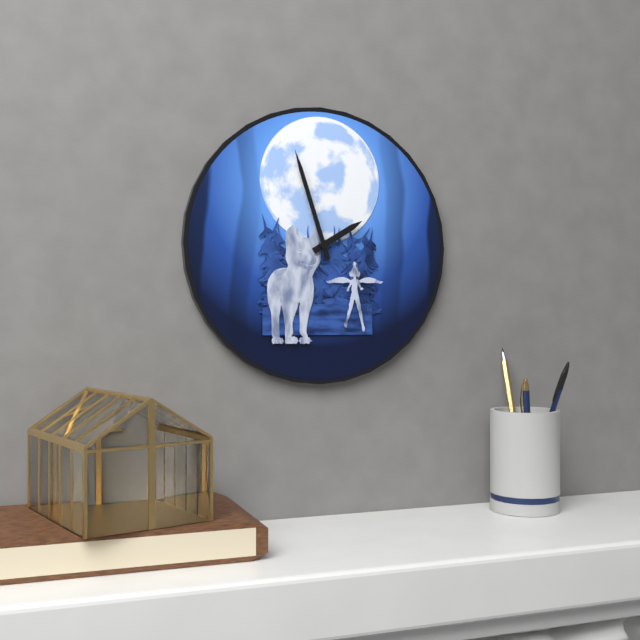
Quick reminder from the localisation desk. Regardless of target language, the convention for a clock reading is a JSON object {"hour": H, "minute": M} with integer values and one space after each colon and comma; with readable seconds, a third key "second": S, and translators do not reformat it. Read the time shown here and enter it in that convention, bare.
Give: {"hour": 1, "minute": 57}
